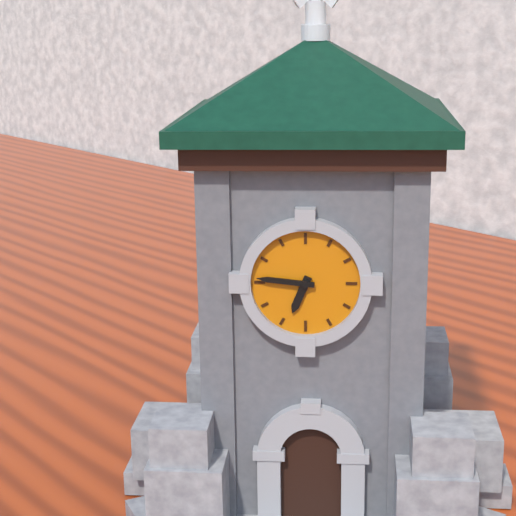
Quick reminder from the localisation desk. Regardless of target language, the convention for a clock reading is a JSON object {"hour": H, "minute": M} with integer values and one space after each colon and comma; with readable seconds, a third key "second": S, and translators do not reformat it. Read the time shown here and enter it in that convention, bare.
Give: {"hour": 6, "minute": 46}
